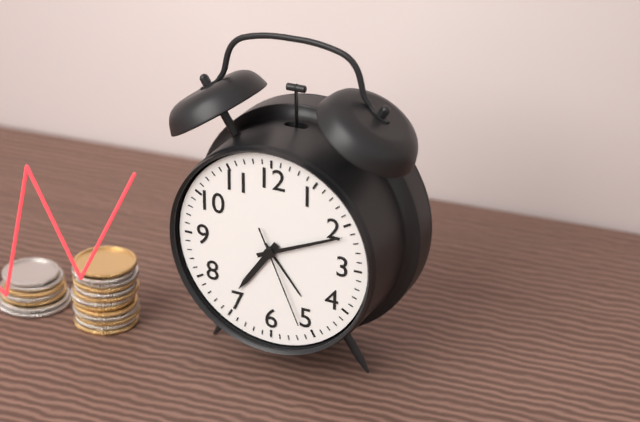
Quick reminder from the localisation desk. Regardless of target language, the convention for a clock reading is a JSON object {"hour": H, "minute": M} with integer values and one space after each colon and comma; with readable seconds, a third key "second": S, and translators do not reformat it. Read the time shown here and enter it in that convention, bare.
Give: {"hour": 7, "minute": 11, "second": 26}
